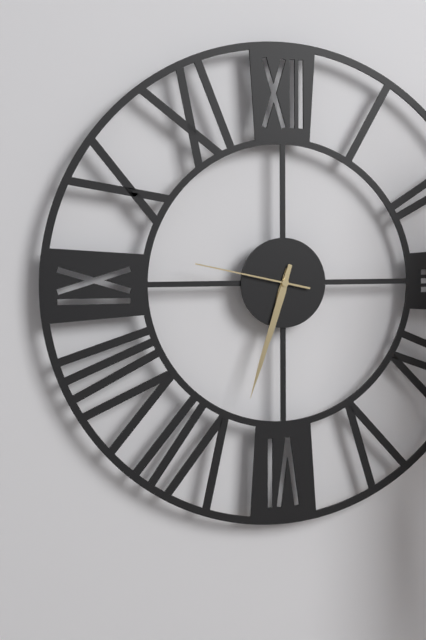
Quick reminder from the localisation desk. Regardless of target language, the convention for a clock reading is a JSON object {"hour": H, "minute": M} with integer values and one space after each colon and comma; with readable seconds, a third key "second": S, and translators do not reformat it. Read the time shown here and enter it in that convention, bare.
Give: {"hour": 6, "minute": 33, "second": 47}
